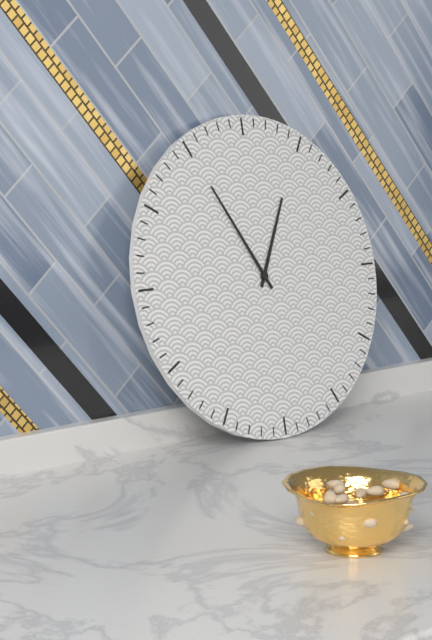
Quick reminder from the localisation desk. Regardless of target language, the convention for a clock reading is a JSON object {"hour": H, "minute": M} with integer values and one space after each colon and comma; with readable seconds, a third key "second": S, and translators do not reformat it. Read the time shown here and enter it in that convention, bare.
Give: {"hour": 12, "minute": 55}
